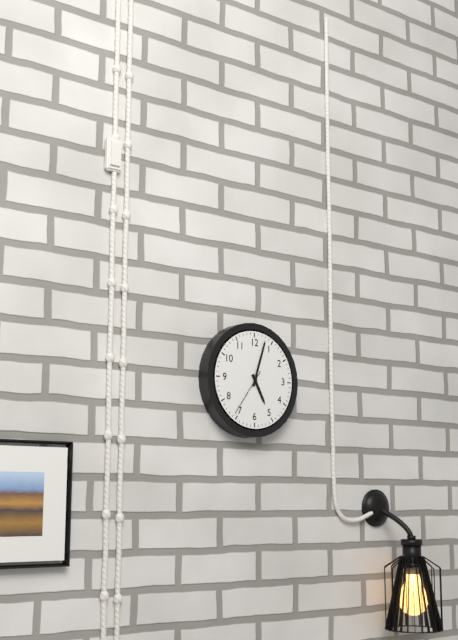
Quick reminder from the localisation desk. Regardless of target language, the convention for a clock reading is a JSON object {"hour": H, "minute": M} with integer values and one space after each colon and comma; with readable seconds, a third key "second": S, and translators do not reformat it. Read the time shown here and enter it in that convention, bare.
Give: {"hour": 5, "minute": 3}
